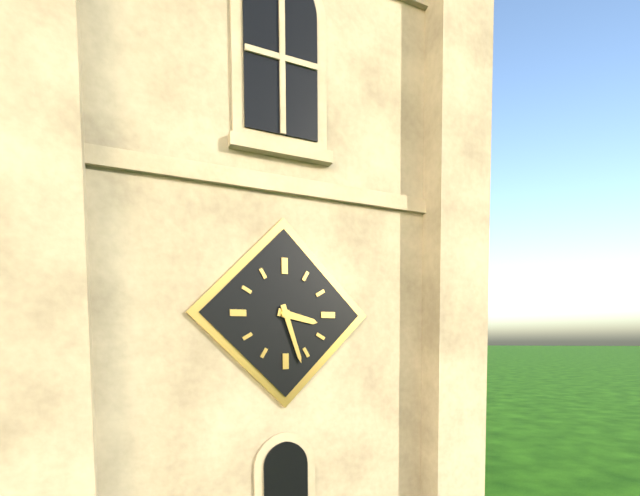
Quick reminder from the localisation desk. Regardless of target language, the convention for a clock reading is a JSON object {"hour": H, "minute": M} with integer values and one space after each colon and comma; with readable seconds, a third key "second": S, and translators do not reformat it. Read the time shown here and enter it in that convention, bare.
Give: {"hour": 3, "minute": 27}
